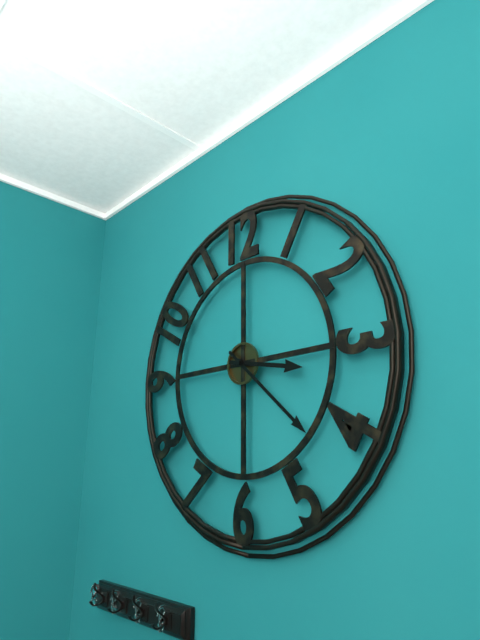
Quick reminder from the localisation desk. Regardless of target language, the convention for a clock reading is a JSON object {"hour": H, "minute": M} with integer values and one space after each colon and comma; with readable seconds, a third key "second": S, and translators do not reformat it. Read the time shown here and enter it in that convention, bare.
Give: {"hour": 3, "minute": 22}
